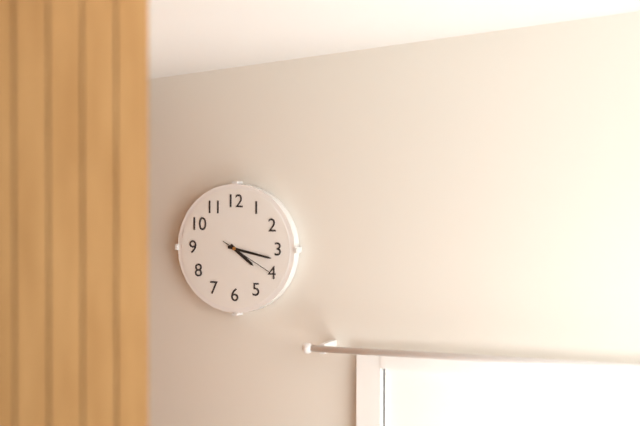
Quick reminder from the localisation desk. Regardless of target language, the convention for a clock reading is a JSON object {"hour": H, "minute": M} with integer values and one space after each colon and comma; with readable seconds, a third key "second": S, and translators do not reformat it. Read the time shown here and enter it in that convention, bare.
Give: {"hour": 4, "minute": 17}
